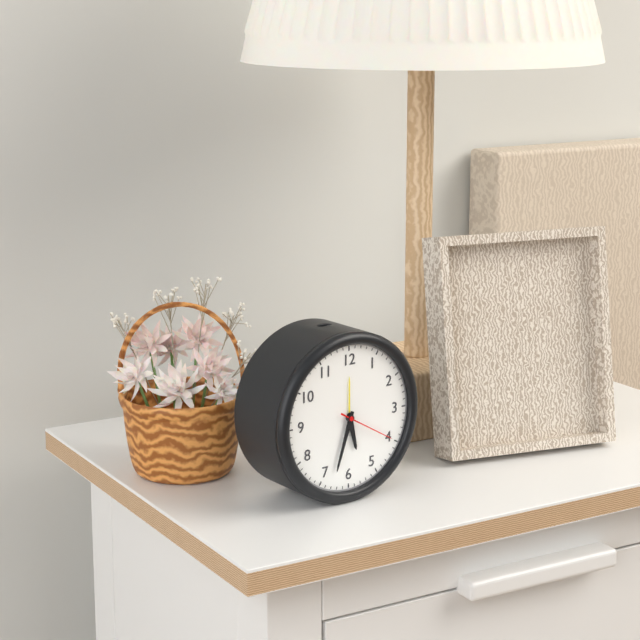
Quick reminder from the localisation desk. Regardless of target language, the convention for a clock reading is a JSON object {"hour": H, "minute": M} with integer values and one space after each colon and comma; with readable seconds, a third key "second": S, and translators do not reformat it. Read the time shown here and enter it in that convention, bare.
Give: {"hour": 5, "minute": 33, "second": 20}
